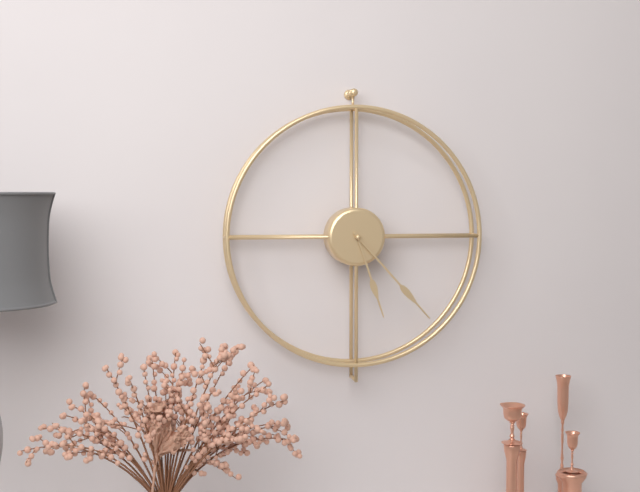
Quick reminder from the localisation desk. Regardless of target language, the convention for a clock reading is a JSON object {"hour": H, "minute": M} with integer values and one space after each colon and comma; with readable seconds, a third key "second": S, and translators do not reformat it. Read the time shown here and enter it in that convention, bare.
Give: {"hour": 5, "minute": 23}
